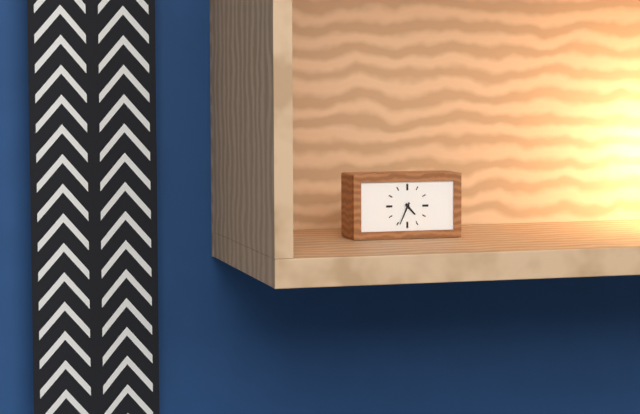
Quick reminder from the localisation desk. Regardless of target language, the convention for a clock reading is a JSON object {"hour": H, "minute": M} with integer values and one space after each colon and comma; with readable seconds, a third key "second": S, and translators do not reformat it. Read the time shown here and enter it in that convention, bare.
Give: {"hour": 4, "minute": 34}
